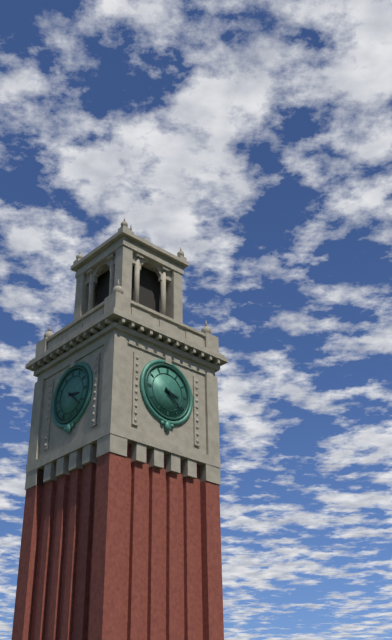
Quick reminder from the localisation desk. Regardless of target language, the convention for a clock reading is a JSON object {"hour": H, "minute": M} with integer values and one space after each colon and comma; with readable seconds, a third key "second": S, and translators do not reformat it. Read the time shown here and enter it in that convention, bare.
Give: {"hour": 3, "minute": 22}
